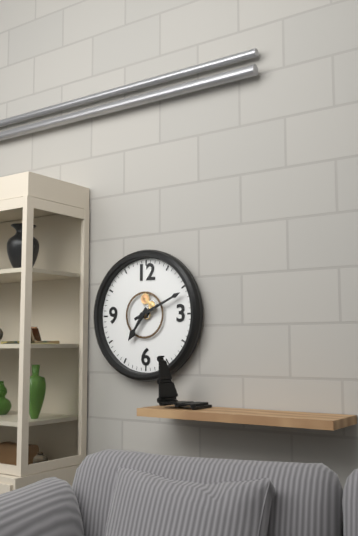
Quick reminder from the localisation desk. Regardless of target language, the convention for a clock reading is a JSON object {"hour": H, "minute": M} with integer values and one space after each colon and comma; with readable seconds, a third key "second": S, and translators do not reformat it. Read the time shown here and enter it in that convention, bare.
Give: {"hour": 7, "minute": 11}
